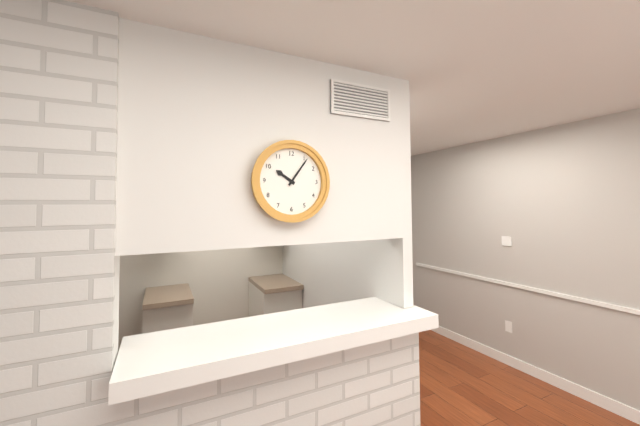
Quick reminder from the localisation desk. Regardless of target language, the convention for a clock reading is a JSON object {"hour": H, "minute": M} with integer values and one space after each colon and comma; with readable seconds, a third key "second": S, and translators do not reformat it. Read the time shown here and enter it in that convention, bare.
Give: {"hour": 10, "minute": 6}
